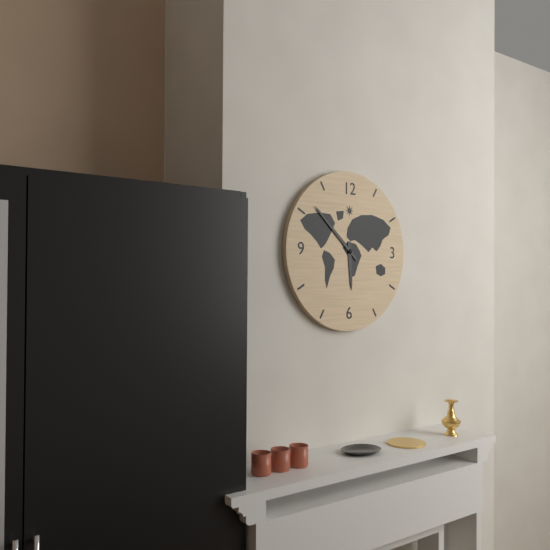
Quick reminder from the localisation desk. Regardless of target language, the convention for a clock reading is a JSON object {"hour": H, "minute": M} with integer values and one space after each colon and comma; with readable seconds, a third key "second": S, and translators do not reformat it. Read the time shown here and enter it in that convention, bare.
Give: {"hour": 5, "minute": 52}
